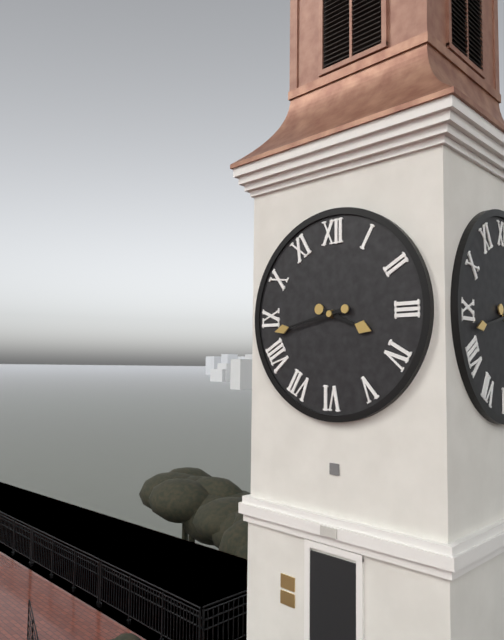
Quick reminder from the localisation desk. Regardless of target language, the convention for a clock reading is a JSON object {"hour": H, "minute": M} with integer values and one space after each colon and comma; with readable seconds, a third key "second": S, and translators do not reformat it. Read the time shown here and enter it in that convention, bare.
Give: {"hour": 3, "minute": 43}
